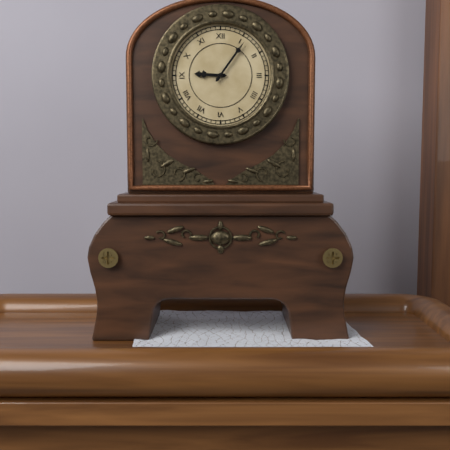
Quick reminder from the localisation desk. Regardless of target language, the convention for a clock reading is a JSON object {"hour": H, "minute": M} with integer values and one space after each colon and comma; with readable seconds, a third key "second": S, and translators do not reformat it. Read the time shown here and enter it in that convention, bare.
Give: {"hour": 9, "minute": 6}
